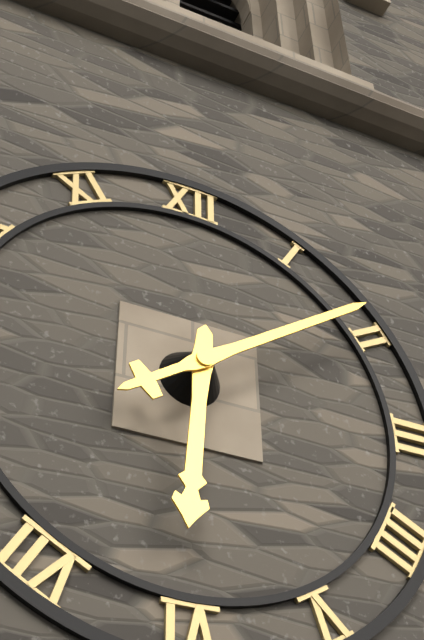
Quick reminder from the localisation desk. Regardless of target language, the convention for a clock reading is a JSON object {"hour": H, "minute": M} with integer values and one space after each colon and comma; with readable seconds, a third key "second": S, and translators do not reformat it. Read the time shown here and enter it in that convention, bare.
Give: {"hour": 6, "minute": 9}
